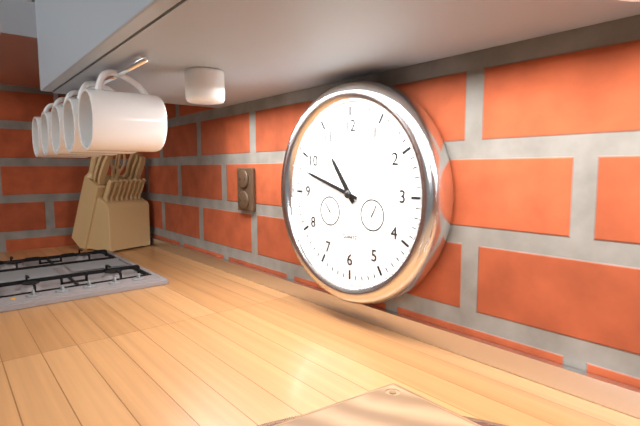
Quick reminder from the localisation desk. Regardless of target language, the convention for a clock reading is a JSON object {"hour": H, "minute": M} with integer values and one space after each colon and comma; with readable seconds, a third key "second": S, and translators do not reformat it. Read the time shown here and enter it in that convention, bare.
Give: {"hour": 10, "minute": 48}
